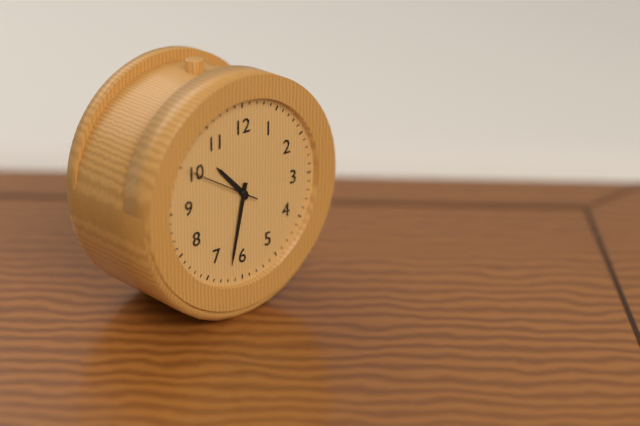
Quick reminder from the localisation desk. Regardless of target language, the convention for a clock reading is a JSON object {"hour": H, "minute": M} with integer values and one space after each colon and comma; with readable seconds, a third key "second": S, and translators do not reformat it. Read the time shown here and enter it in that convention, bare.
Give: {"hour": 10, "minute": 32, "second": 50}
